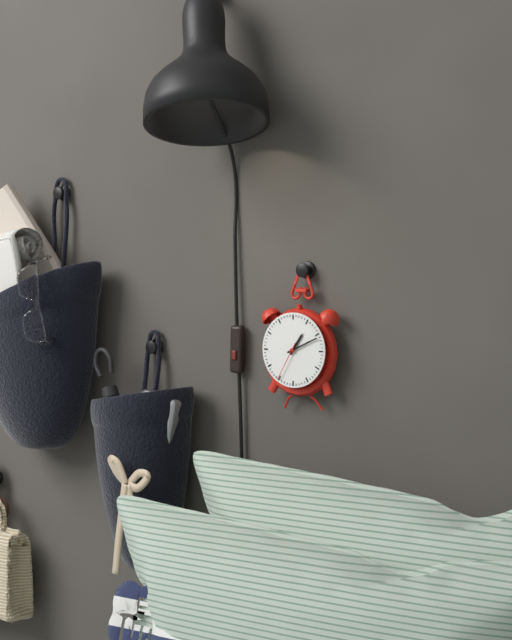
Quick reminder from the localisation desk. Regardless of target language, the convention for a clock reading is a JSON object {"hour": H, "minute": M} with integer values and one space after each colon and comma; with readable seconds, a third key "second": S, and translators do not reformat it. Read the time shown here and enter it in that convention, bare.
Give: {"hour": 1, "minute": 11}
